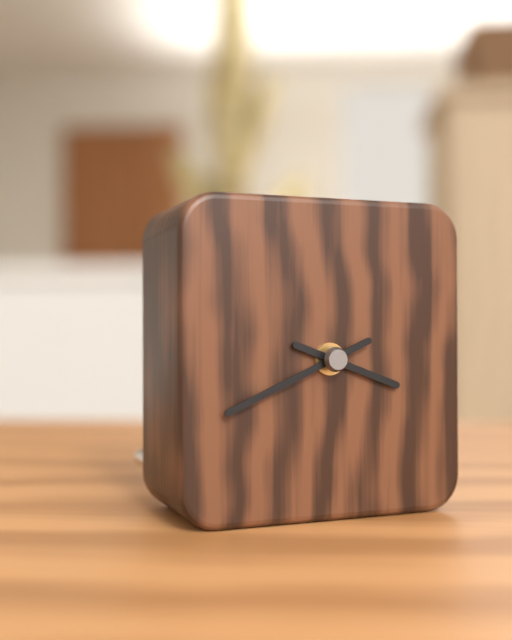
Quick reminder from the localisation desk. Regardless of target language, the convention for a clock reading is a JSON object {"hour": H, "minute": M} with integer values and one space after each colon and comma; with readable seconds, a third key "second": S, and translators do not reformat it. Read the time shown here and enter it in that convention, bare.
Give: {"hour": 3, "minute": 41}
